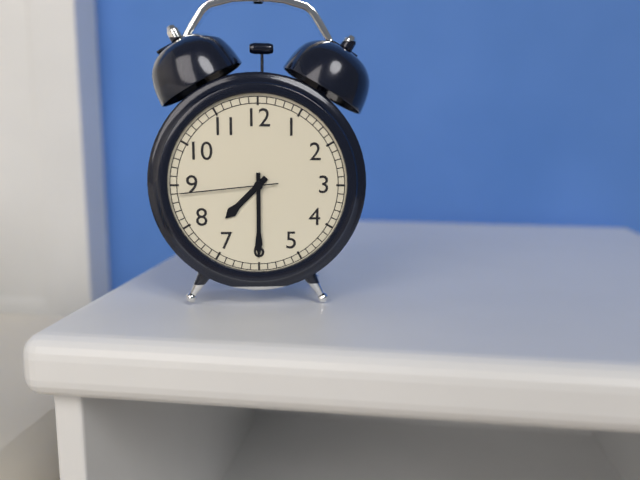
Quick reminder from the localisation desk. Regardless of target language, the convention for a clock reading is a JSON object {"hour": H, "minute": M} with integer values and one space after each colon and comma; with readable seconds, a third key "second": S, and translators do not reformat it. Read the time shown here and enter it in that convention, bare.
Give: {"hour": 7, "minute": 30, "second": 44}
